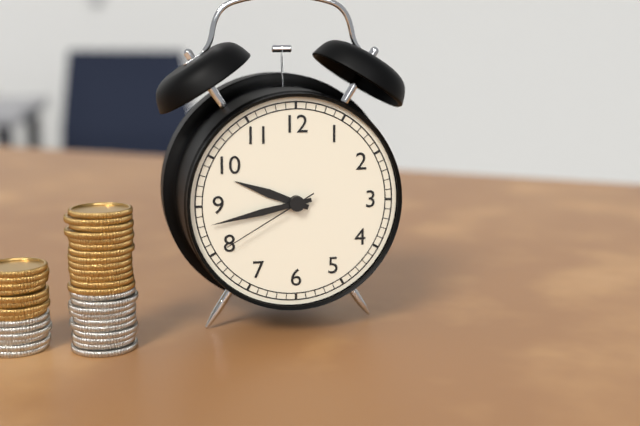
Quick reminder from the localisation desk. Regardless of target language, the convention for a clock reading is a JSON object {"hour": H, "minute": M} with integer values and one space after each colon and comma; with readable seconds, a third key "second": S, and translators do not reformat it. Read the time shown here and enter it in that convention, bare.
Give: {"hour": 9, "minute": 43, "second": 40}
